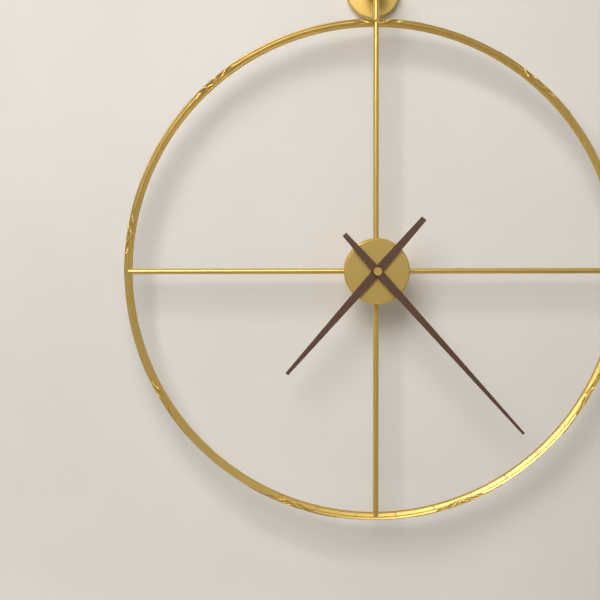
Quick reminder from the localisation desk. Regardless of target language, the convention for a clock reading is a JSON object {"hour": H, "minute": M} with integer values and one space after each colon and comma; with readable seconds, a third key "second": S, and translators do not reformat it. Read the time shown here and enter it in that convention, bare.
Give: {"hour": 7, "minute": 23}
